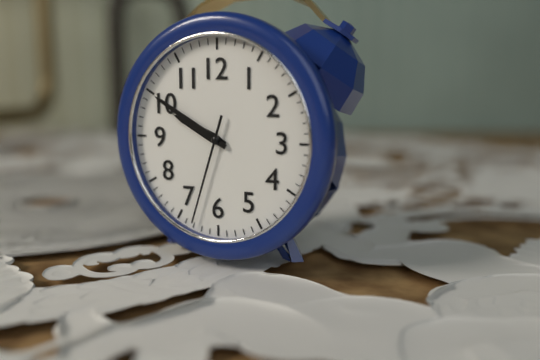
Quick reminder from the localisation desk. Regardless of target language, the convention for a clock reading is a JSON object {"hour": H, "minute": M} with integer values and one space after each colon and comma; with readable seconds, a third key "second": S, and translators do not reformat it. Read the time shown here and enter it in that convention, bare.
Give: {"hour": 9, "minute": 50, "second": 33}
